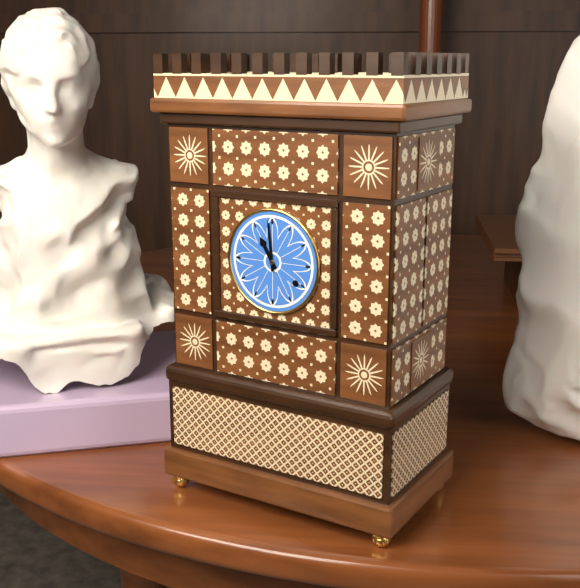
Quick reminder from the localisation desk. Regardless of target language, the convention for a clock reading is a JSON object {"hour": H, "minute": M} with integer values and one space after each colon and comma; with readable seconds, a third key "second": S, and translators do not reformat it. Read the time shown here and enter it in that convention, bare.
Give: {"hour": 10, "minute": 59}
